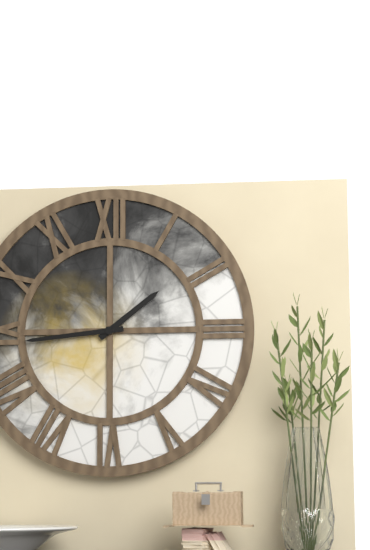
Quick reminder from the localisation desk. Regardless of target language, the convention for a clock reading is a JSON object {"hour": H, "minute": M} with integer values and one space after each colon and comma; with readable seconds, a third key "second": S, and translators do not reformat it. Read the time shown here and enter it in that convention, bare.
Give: {"hour": 1, "minute": 44}
